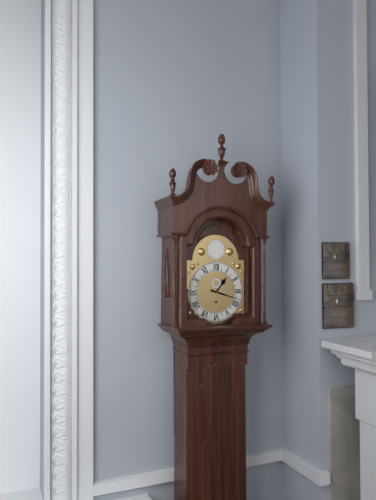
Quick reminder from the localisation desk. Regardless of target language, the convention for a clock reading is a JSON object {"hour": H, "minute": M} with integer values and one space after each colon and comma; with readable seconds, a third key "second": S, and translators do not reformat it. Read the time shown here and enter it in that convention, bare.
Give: {"hour": 1, "minute": 18}
